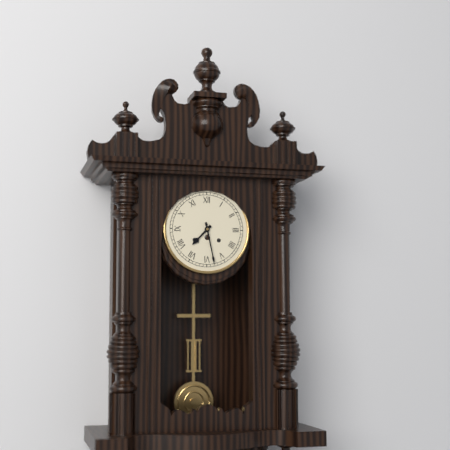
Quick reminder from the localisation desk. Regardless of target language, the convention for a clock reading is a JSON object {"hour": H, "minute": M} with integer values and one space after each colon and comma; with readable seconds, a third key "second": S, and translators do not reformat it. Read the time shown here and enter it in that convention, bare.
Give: {"hour": 7, "minute": 28}
